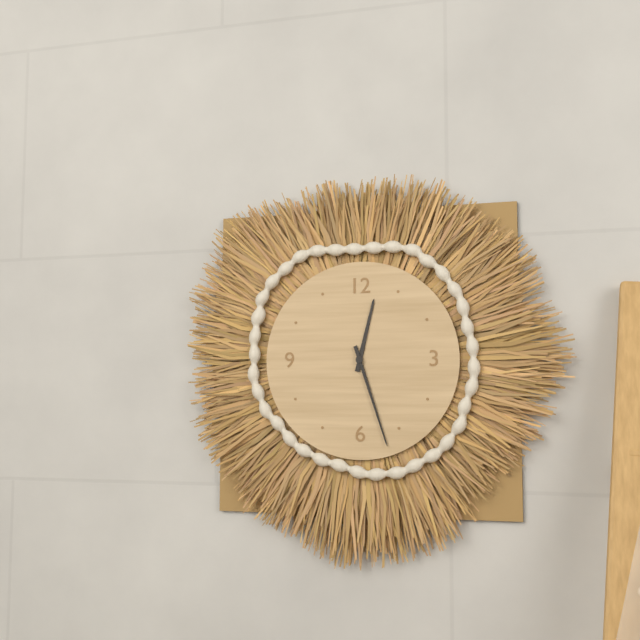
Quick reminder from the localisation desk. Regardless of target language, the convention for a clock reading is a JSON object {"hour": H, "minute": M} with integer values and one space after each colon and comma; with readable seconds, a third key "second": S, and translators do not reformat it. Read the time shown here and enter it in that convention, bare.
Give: {"hour": 12, "minute": 27}
